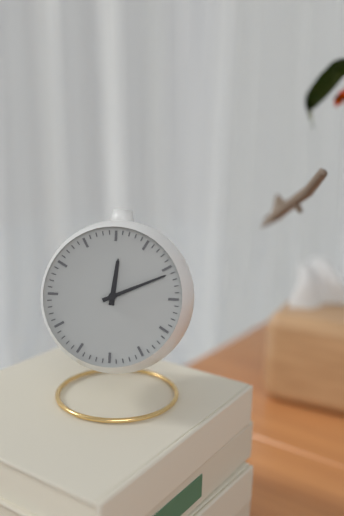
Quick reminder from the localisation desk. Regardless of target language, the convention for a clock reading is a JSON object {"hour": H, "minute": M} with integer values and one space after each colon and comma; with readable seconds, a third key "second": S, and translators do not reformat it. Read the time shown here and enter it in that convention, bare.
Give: {"hour": 12, "minute": 11}
